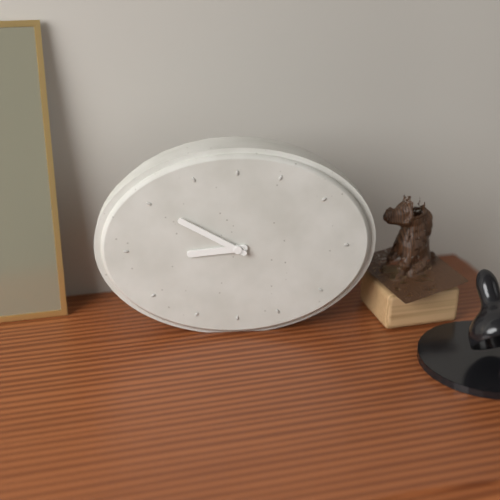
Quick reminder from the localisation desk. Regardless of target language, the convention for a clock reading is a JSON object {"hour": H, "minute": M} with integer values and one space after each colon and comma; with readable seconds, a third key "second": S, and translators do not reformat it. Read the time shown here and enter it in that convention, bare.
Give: {"hour": 8, "minute": 50}
